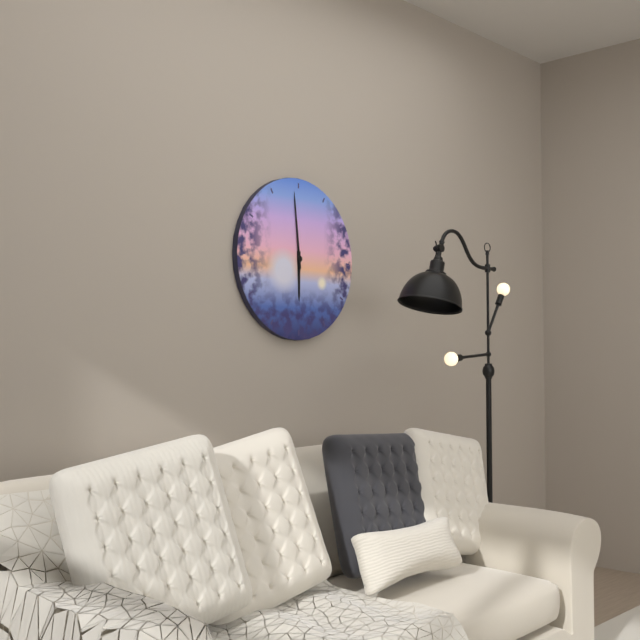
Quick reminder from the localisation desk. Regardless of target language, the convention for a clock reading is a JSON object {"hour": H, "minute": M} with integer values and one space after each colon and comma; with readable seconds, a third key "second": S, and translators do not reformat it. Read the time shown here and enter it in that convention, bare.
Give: {"hour": 5, "minute": 59}
